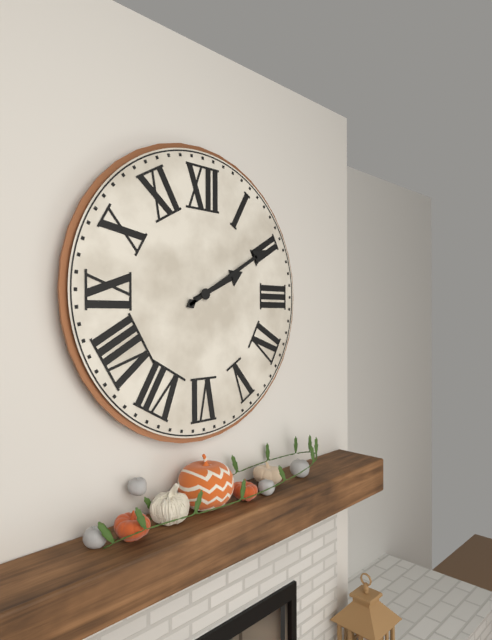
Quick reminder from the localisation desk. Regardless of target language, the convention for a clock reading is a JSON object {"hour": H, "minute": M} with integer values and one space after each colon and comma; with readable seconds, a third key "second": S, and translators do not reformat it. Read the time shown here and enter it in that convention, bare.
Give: {"hour": 2, "minute": 10}
